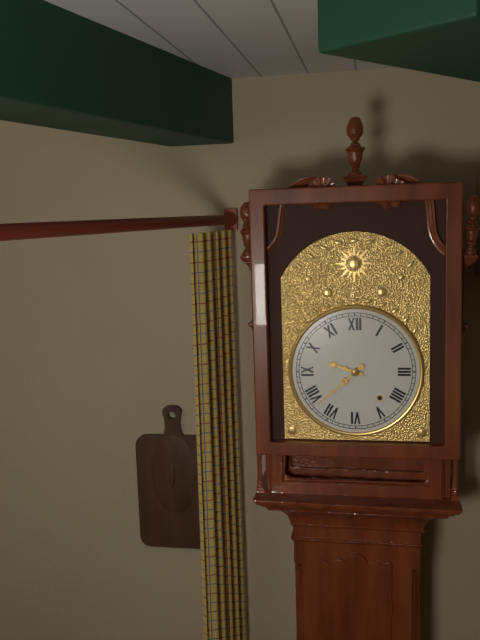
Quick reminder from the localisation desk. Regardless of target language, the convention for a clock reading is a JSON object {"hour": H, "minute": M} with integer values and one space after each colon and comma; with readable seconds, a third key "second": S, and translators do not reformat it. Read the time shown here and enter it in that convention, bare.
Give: {"hour": 9, "minute": 38}
